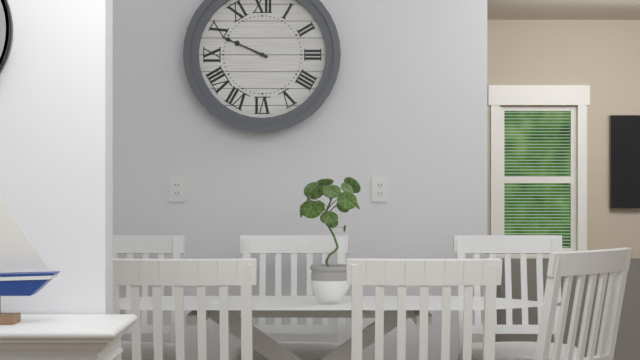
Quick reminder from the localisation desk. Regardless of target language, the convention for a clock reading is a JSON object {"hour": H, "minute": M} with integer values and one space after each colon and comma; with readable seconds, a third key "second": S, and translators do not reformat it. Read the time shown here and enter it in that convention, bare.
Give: {"hour": 9, "minute": 49}
